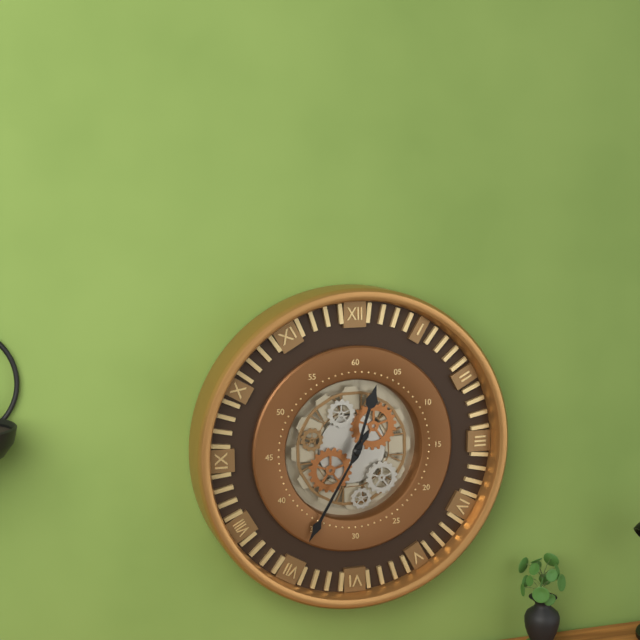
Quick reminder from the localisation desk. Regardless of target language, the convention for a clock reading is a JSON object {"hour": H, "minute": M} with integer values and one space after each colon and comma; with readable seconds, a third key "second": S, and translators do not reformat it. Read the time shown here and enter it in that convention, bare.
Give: {"hour": 12, "minute": 35}
